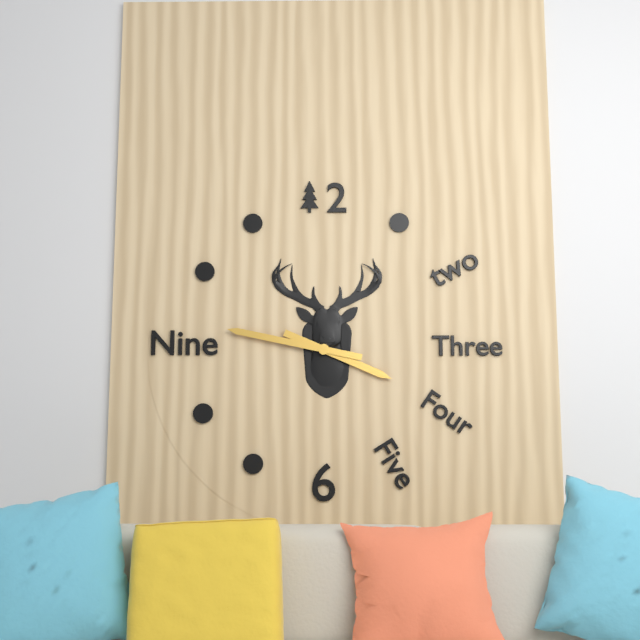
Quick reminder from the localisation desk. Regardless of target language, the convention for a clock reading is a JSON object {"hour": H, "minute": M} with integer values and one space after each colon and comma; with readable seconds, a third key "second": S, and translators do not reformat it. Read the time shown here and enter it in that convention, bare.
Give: {"hour": 3, "minute": 47}
